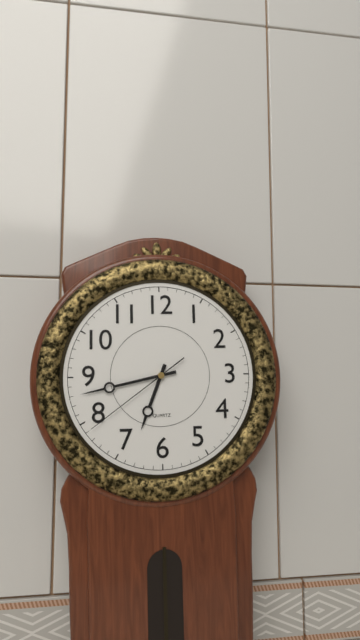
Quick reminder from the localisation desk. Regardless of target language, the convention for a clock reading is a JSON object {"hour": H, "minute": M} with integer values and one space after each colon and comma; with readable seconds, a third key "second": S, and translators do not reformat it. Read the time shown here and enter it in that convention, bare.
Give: {"hour": 6, "minute": 43, "second": 39}
